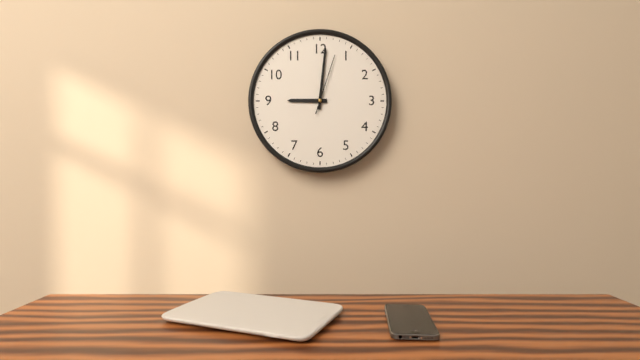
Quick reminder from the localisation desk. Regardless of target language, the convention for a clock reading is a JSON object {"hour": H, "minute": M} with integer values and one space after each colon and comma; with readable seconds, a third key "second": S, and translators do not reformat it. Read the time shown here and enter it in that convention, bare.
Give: {"hour": 9, "minute": 1, "second": 3}
